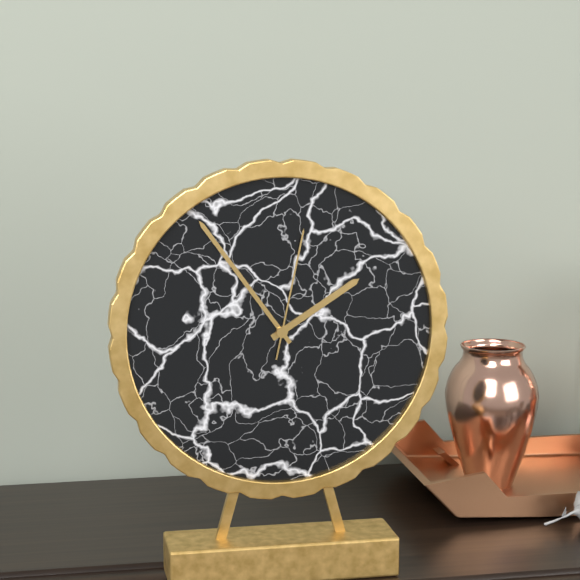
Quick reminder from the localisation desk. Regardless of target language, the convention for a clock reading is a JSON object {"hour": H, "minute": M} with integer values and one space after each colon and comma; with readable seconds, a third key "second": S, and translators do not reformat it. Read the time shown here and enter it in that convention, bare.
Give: {"hour": 1, "minute": 54, "second": 2}
